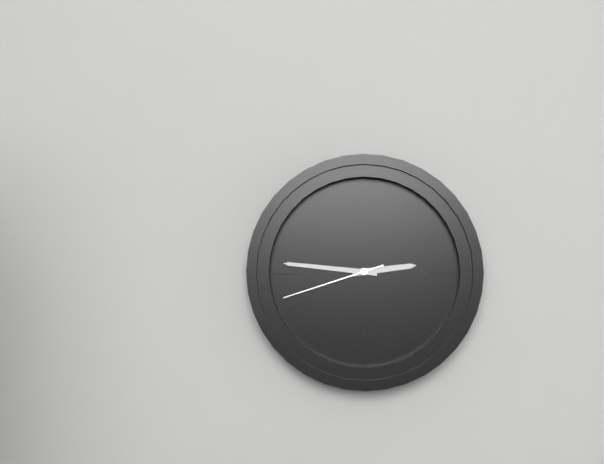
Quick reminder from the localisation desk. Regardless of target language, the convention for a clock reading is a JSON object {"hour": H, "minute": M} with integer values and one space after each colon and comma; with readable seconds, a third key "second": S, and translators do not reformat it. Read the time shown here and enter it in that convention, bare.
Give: {"hour": 2, "minute": 46, "second": 42}
